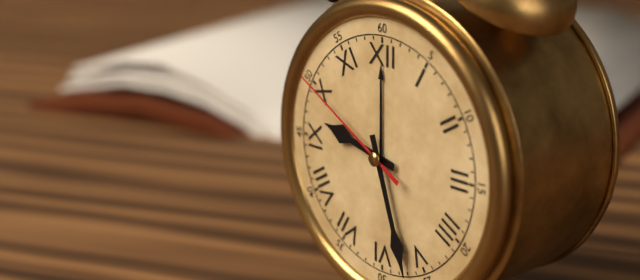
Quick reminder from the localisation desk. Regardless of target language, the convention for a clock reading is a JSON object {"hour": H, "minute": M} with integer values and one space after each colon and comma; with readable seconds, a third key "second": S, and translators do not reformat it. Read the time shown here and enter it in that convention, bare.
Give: {"hour": 9, "minute": 27, "second": 50}
